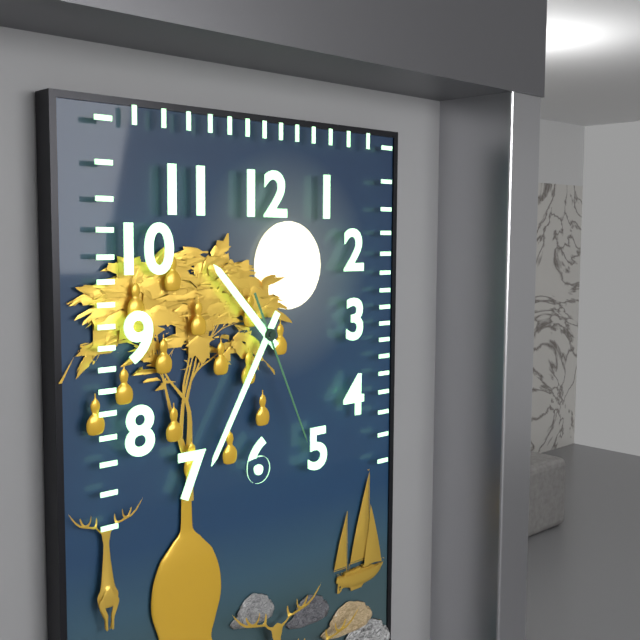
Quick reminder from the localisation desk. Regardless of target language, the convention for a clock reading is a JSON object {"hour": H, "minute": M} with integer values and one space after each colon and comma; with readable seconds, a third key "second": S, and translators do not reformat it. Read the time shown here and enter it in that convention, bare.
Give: {"hour": 10, "minute": 35, "second": 26}
